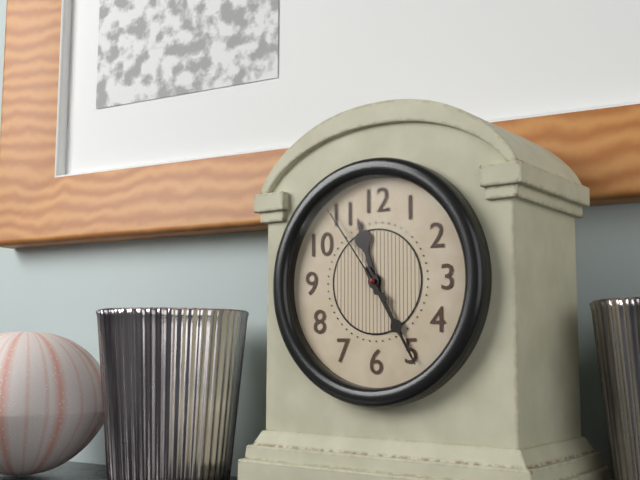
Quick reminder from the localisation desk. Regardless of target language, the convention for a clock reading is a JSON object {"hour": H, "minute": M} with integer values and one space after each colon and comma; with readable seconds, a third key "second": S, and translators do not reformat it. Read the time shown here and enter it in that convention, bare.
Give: {"hour": 11, "minute": 25, "second": 54}
